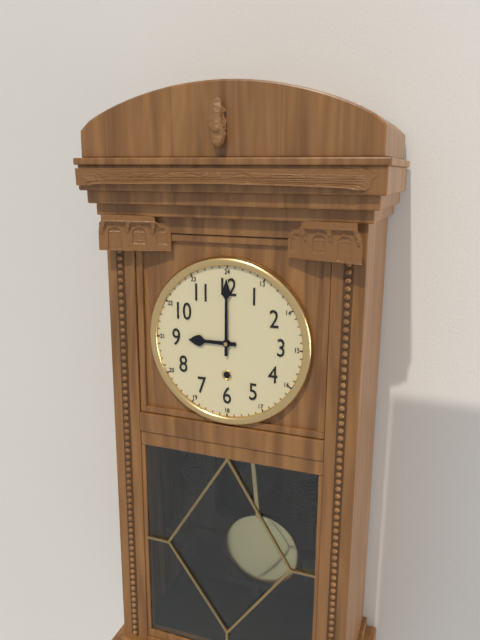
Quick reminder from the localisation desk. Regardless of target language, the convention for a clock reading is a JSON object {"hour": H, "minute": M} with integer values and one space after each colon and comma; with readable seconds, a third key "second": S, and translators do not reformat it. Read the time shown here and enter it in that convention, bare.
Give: {"hour": 9, "minute": 0}
